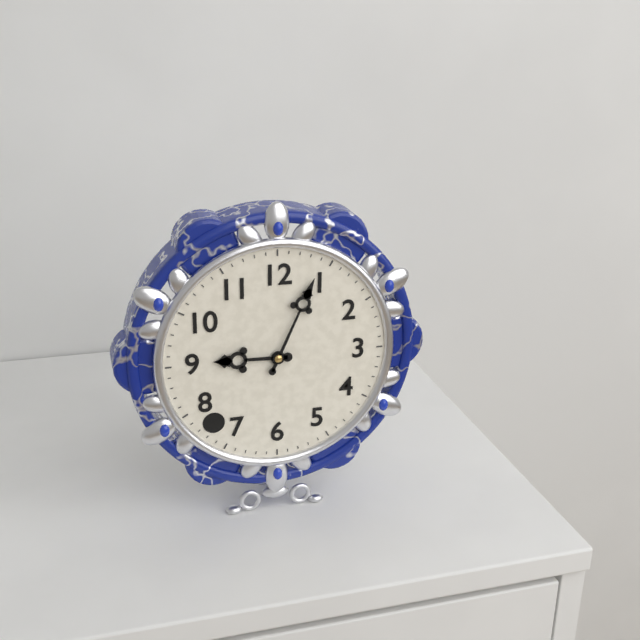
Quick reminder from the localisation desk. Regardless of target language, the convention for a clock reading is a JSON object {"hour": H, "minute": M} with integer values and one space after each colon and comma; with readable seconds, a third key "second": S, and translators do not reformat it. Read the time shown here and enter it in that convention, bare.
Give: {"hour": 9, "minute": 4}
